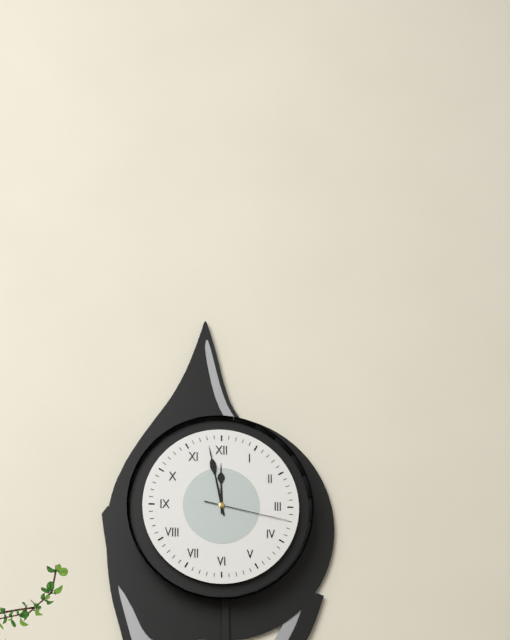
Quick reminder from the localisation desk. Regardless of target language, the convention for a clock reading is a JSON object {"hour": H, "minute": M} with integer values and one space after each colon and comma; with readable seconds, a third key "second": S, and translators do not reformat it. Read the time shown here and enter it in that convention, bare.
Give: {"hour": 11, "minute": 58, "second": 17}
